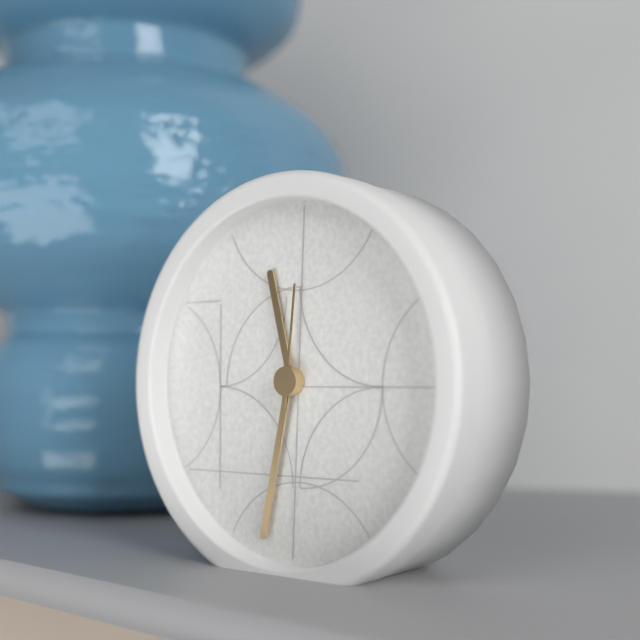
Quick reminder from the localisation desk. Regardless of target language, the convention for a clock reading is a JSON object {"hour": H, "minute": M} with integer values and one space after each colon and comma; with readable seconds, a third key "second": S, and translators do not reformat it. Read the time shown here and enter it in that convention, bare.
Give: {"hour": 11, "minute": 32, "second": 1}
